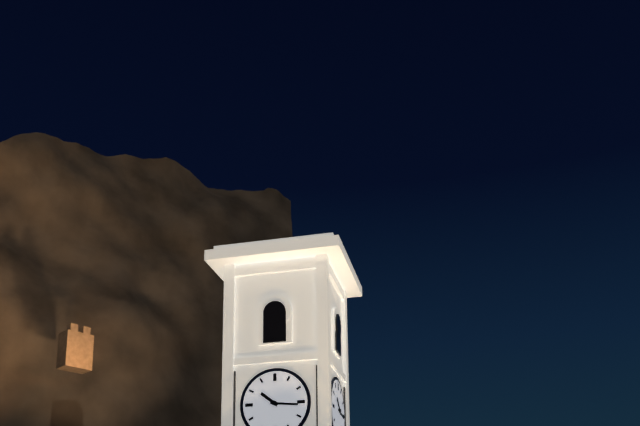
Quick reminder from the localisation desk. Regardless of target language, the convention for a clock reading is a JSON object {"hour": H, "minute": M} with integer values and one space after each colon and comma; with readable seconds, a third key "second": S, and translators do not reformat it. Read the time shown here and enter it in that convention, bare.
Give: {"hour": 10, "minute": 16}
